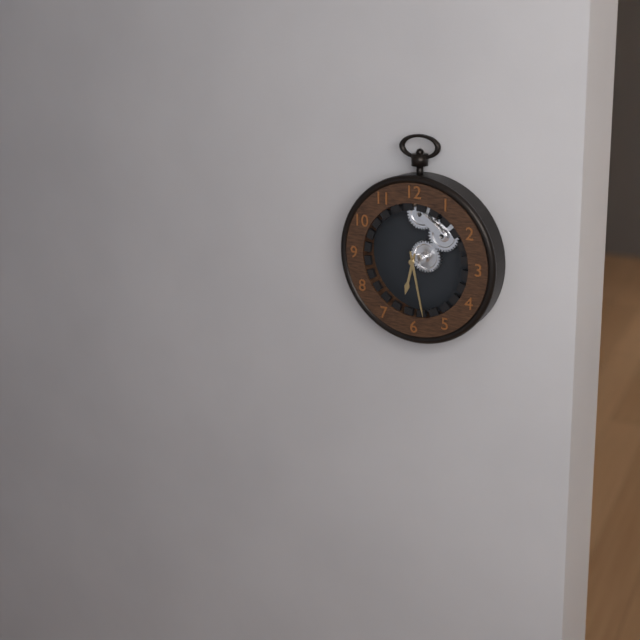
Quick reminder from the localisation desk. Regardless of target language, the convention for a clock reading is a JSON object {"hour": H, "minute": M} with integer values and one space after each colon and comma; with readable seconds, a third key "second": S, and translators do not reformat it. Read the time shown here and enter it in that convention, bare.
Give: {"hour": 6, "minute": 28}
